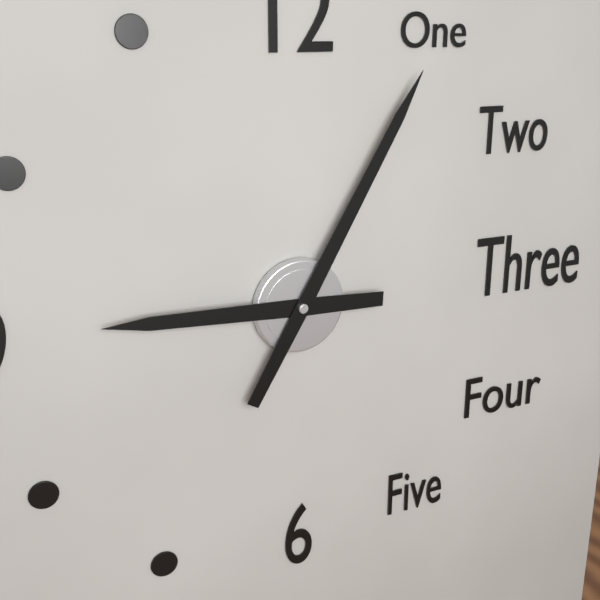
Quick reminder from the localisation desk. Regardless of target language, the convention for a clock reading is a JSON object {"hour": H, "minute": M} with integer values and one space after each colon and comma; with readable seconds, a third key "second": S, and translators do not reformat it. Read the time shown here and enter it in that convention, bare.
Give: {"hour": 9, "minute": 5}
